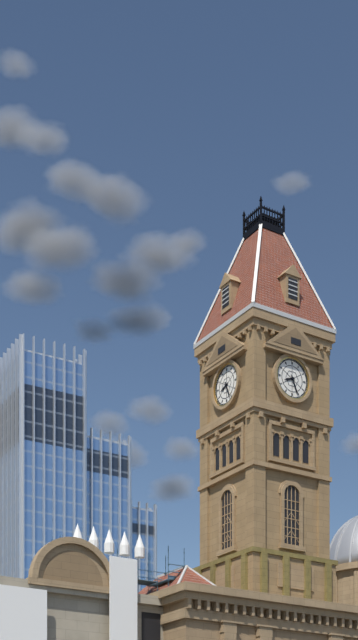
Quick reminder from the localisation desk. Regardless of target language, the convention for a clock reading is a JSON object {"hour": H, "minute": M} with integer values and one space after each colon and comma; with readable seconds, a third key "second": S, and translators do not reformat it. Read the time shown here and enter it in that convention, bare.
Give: {"hour": 8, "minute": 26}
